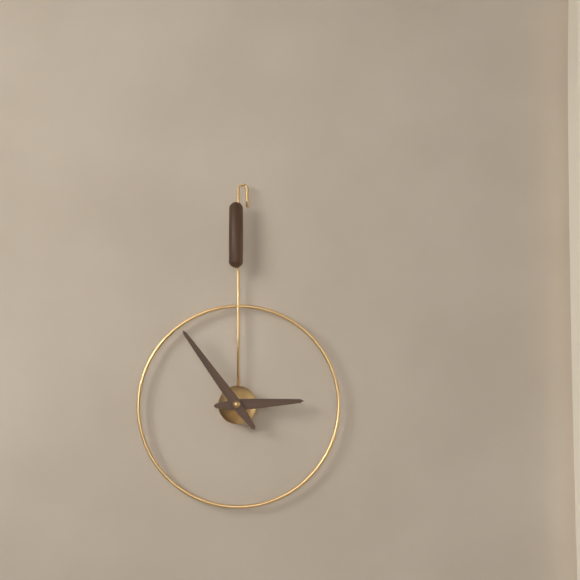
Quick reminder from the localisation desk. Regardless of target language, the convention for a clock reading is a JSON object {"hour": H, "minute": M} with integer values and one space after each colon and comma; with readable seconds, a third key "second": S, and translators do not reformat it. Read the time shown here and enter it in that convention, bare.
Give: {"hour": 2, "minute": 54}
